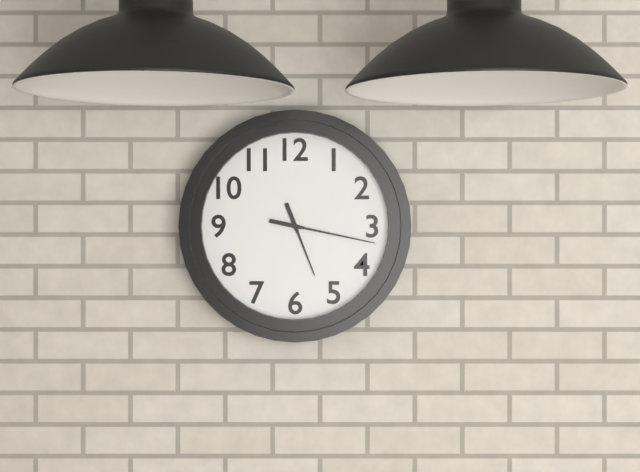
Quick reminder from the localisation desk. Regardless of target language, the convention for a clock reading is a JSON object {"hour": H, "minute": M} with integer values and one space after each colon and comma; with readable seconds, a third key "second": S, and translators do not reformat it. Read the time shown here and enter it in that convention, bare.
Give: {"hour": 5, "minute": 17}
